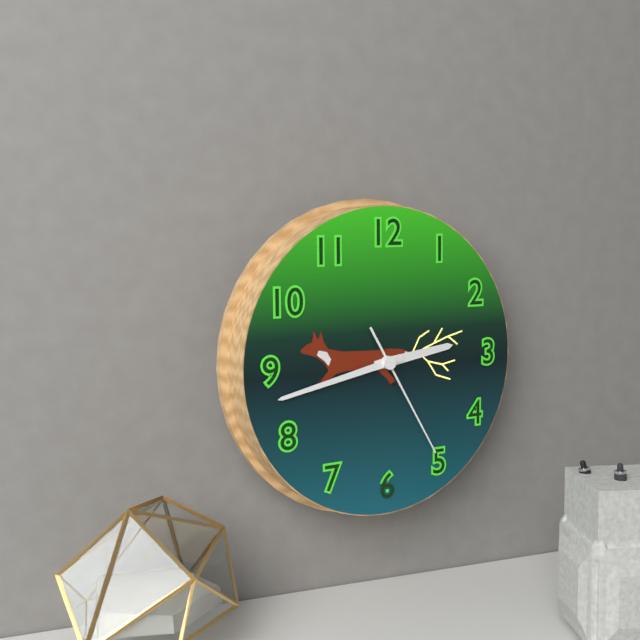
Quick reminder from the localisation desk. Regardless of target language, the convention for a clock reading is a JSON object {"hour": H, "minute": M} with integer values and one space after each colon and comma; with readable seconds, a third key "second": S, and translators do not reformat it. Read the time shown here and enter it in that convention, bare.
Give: {"hour": 2, "minute": 43, "second": 25}
